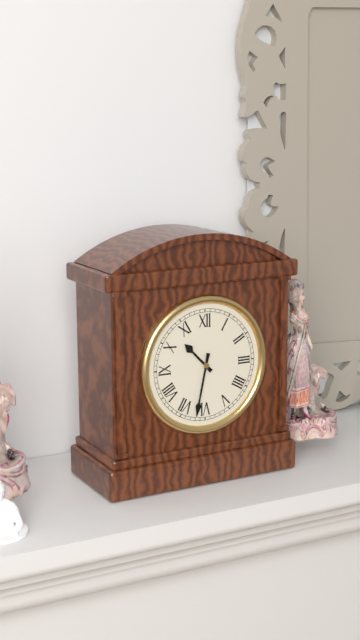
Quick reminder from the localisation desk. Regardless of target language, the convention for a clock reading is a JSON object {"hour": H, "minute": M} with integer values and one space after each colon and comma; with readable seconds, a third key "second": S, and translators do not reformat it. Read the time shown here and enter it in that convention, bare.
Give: {"hour": 10, "minute": 32}
